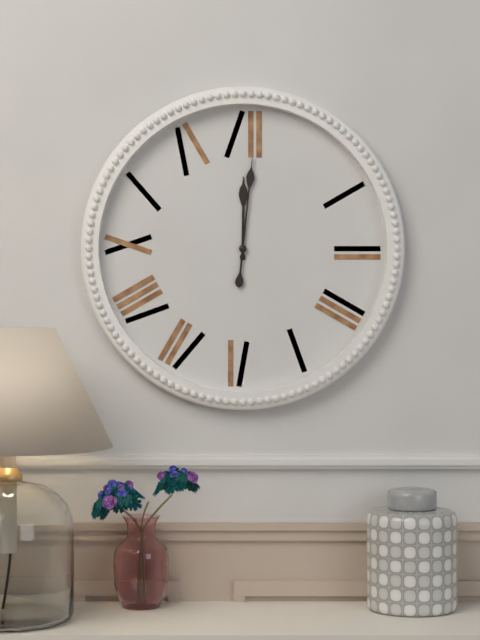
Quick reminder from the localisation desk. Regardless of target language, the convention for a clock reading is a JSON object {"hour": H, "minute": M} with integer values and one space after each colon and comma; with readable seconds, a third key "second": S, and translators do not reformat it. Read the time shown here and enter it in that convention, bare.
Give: {"hour": 12, "minute": 1}
